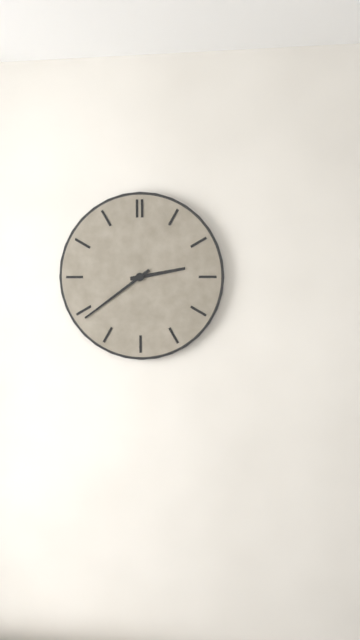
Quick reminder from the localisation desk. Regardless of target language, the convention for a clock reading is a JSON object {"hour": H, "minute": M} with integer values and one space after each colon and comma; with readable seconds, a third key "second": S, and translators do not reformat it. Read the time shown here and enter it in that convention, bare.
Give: {"hour": 2, "minute": 39}
